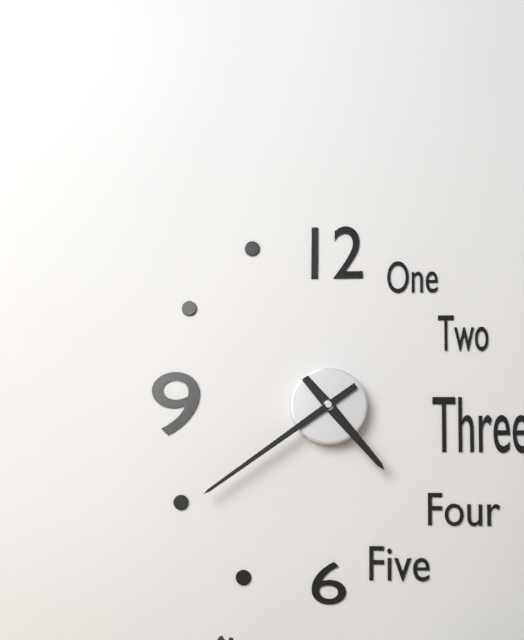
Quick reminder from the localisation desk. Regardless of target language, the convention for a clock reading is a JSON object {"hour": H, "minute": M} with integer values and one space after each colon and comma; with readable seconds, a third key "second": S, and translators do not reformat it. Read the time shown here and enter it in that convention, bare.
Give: {"hour": 4, "minute": 39}
